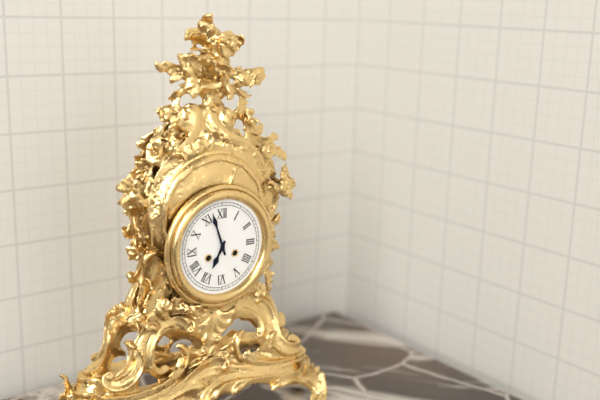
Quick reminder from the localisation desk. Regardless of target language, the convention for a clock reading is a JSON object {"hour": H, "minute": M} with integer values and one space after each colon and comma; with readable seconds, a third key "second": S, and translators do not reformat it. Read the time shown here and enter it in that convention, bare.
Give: {"hour": 6, "minute": 57}
